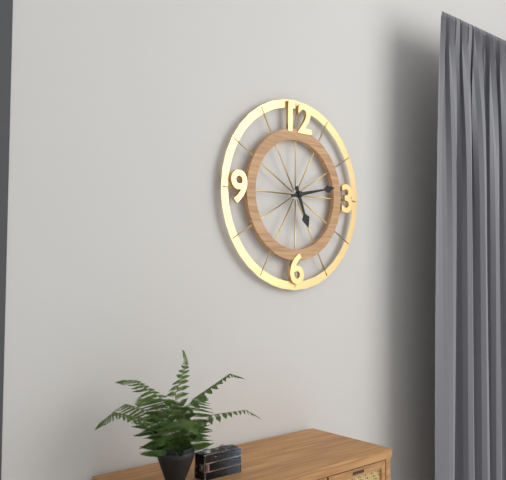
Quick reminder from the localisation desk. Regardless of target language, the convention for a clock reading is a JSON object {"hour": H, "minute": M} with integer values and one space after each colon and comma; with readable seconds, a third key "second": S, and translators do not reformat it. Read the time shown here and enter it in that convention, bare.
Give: {"hour": 5, "minute": 13}
